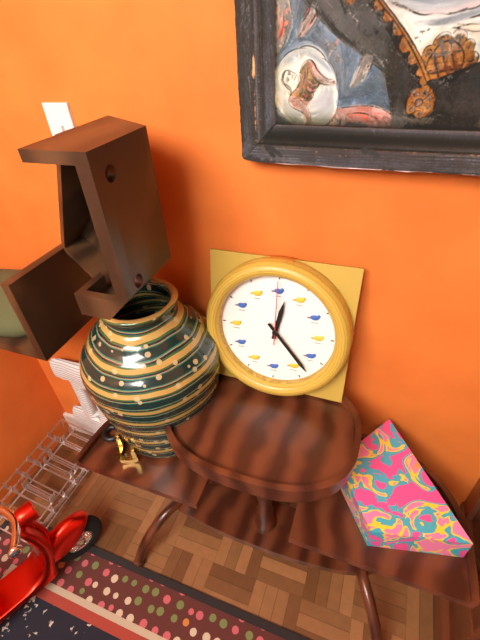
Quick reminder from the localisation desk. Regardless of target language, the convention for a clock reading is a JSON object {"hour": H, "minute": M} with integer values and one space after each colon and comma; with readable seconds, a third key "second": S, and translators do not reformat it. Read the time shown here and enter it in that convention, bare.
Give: {"hour": 12, "minute": 23, "second": 0}
